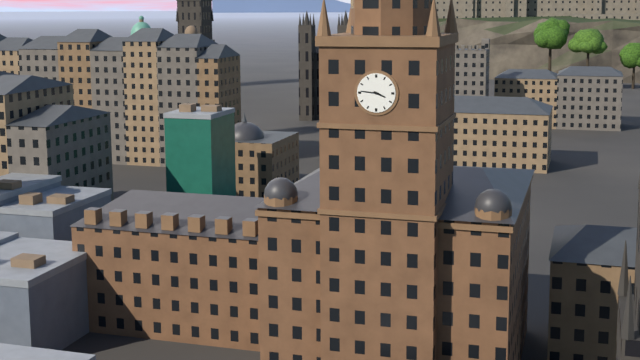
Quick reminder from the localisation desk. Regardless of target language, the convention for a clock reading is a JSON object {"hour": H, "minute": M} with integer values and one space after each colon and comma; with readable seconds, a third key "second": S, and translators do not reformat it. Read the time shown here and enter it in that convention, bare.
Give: {"hour": 3, "minute": 46}
